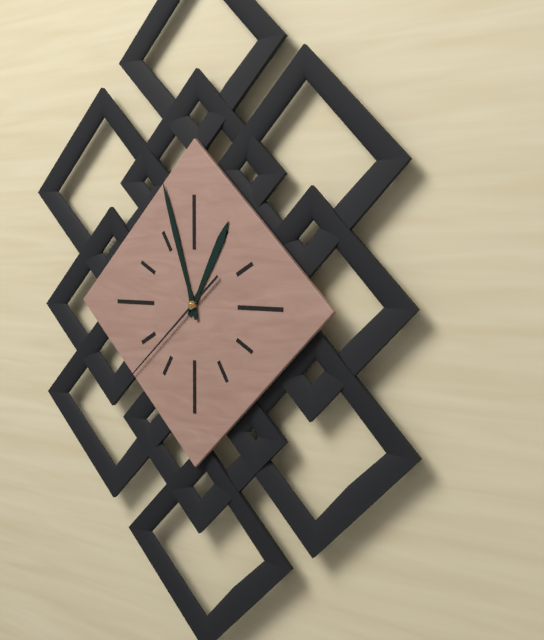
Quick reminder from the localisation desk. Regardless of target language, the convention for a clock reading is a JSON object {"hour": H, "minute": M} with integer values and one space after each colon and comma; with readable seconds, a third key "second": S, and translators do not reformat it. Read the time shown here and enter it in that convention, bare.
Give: {"hour": 12, "minute": 57, "second": 38}
